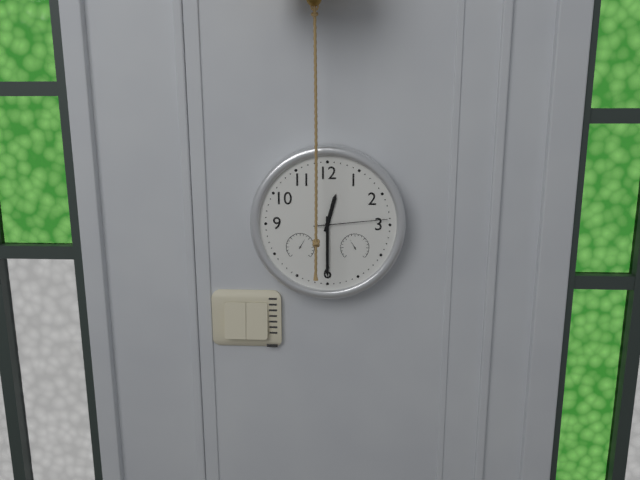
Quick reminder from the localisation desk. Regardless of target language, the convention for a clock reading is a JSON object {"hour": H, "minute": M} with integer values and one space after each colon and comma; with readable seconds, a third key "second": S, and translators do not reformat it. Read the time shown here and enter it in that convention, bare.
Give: {"hour": 12, "minute": 30, "second": 14}
